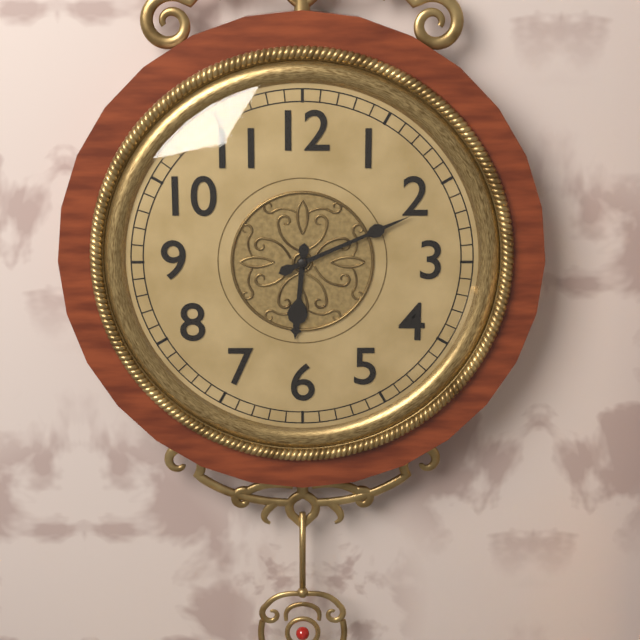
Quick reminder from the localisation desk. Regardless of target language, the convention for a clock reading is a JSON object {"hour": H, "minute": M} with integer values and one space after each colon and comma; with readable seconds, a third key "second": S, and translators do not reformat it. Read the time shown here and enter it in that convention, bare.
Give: {"hour": 6, "minute": 11}
